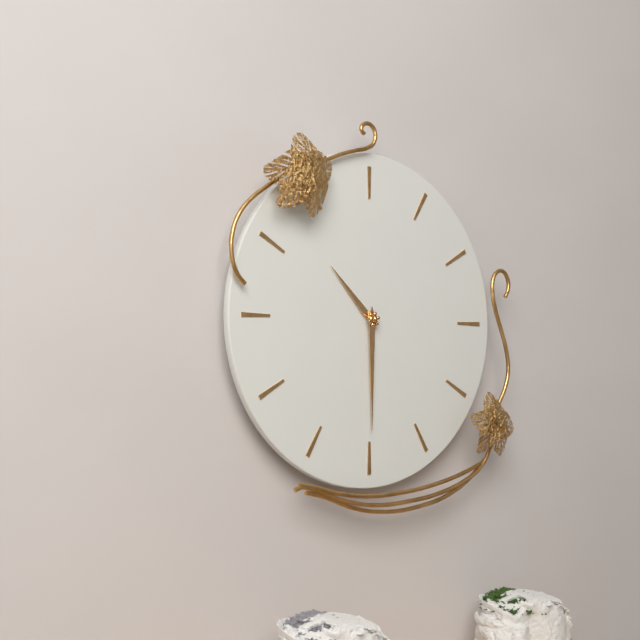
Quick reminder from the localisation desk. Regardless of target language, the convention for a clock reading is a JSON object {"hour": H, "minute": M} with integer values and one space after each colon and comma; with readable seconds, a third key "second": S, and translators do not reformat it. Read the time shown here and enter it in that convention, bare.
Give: {"hour": 10, "minute": 30}
